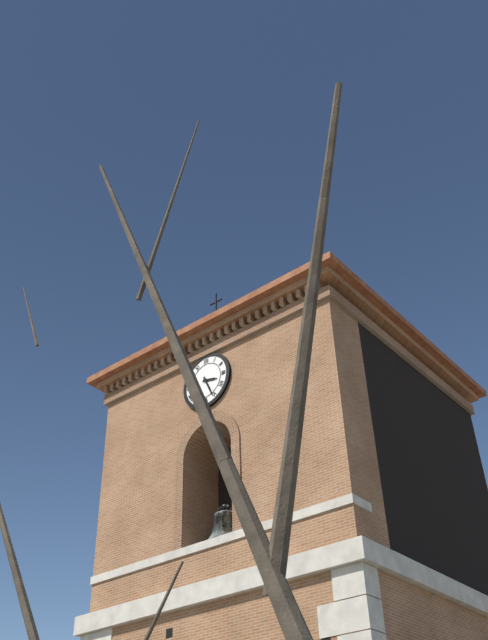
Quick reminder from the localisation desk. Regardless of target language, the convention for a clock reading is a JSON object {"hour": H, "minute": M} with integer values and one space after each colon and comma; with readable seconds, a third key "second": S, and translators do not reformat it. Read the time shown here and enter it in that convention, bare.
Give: {"hour": 3, "minute": 26}
